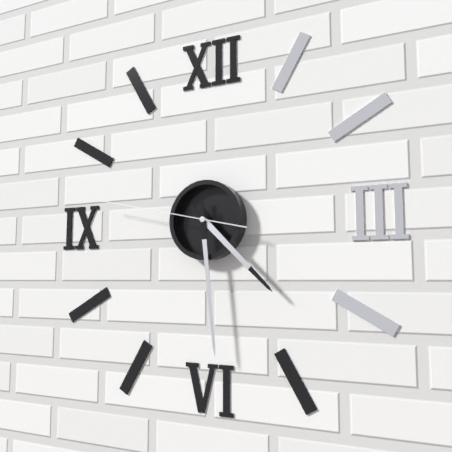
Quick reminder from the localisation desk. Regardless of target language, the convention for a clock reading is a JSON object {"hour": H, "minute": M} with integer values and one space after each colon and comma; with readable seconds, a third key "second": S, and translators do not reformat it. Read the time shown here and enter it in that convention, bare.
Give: {"hour": 4, "minute": 29, "second": 47}
